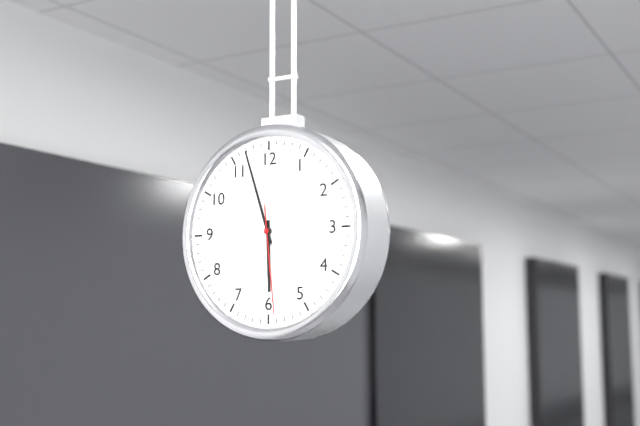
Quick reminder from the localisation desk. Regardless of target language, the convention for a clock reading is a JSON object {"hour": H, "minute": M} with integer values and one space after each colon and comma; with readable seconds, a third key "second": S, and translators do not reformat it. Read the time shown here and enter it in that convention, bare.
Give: {"hour": 5, "minute": 57, "second": 29}
